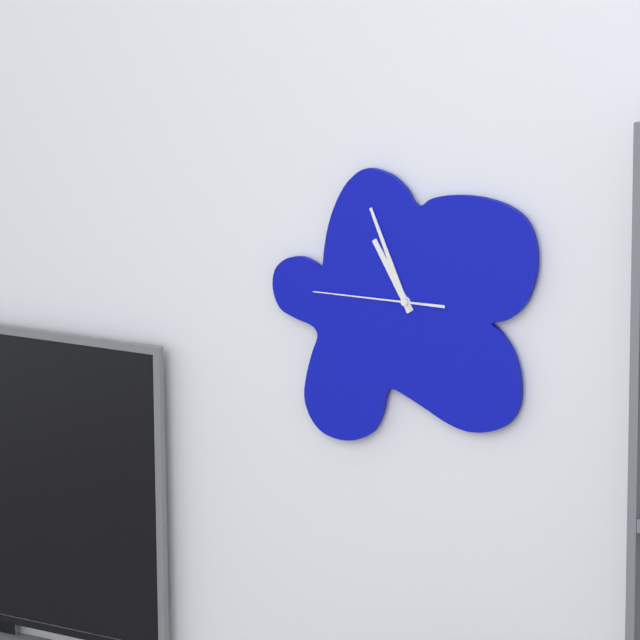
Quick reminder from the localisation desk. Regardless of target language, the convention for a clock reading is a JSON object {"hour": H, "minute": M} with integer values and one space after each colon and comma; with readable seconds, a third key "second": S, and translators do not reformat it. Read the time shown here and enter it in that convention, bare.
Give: {"hour": 10, "minute": 56, "second": 45}
